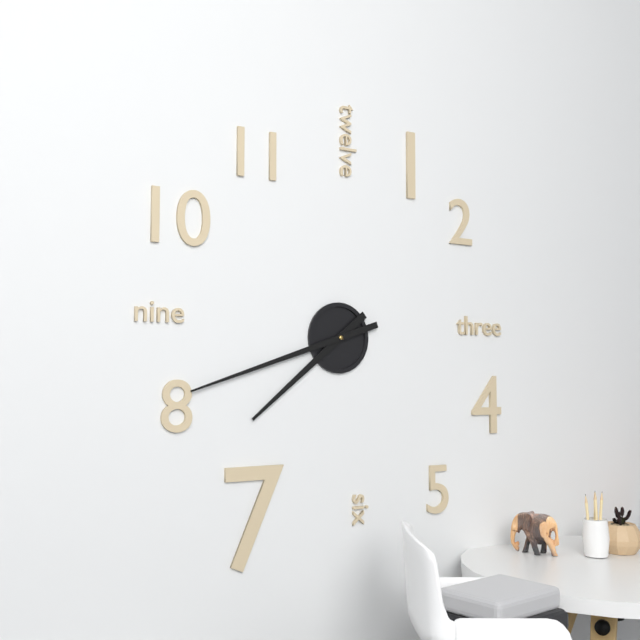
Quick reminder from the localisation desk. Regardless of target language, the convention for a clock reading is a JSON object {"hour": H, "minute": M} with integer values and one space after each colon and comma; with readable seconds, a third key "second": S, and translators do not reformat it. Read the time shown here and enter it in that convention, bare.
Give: {"hour": 7, "minute": 42}
